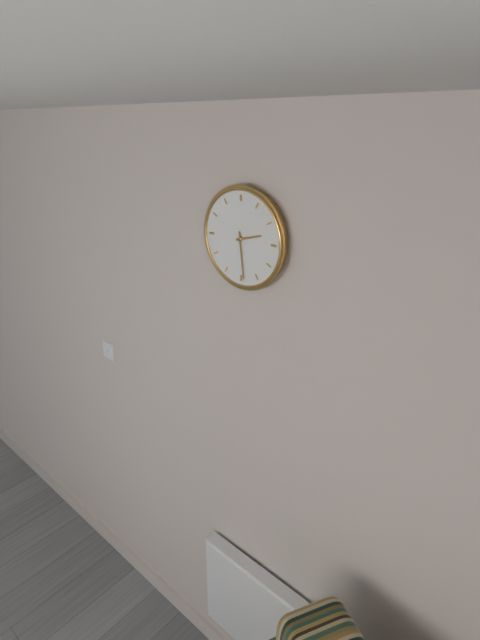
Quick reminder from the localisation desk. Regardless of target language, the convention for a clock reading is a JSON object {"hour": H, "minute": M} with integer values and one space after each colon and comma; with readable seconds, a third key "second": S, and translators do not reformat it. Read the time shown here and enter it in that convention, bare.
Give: {"hour": 2, "minute": 29}
